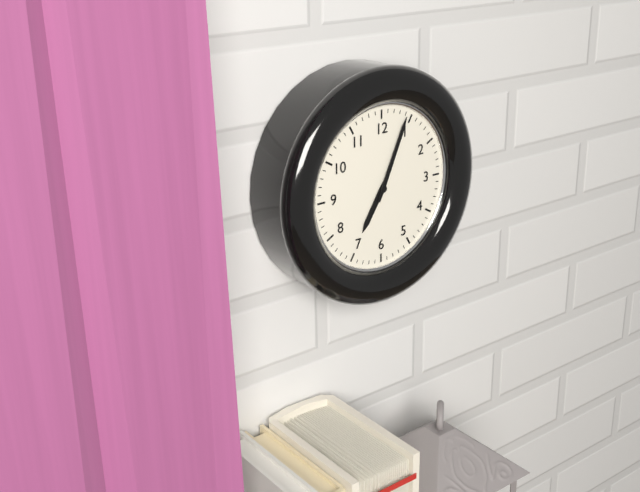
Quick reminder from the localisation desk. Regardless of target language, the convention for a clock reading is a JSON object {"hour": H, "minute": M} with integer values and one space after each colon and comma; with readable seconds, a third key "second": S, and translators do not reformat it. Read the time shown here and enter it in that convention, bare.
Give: {"hour": 7, "minute": 4}
